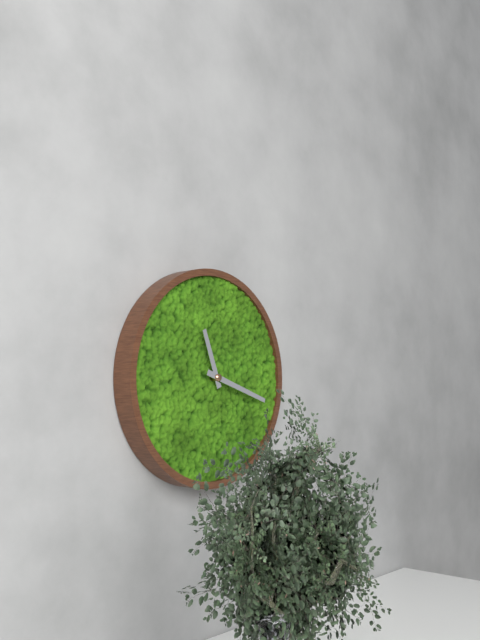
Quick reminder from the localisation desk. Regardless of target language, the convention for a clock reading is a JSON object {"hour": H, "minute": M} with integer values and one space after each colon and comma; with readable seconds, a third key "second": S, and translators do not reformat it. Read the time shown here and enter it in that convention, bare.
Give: {"hour": 11, "minute": 18}
